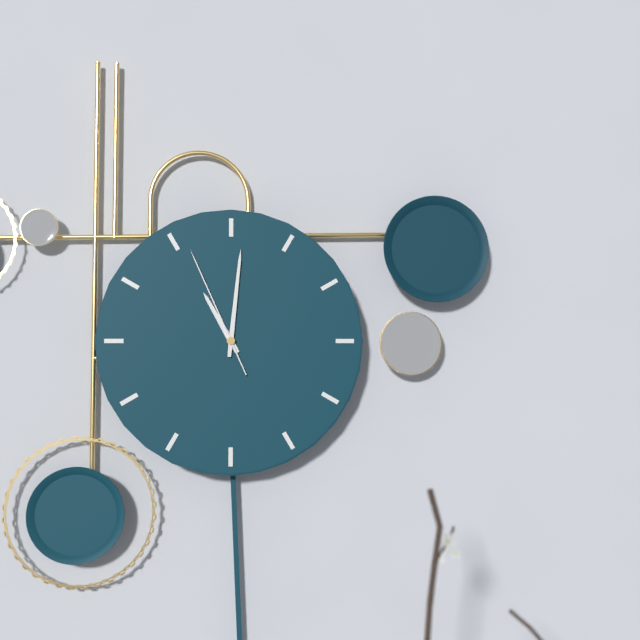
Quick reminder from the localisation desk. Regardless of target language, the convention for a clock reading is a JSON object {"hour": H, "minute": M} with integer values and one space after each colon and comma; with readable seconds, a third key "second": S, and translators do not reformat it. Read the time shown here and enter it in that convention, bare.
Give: {"hour": 11, "minute": 1, "second": 56}
